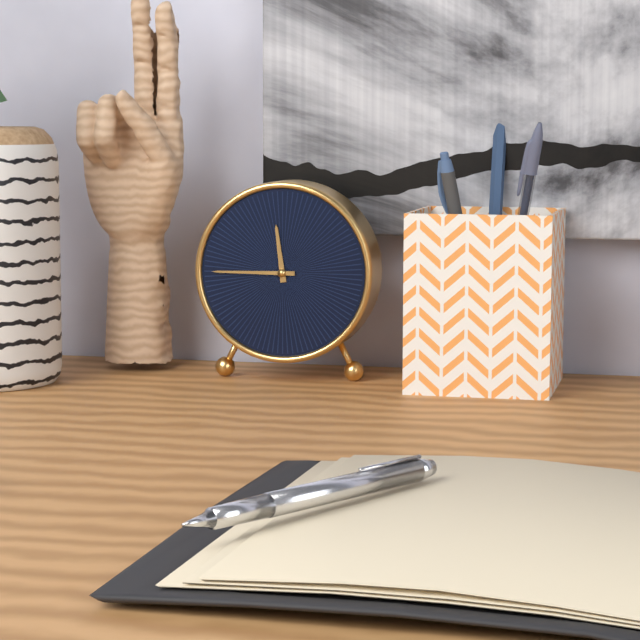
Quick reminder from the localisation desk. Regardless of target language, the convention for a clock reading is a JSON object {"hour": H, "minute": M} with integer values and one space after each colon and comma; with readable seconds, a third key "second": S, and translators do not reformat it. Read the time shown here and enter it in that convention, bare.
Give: {"hour": 11, "minute": 45}
